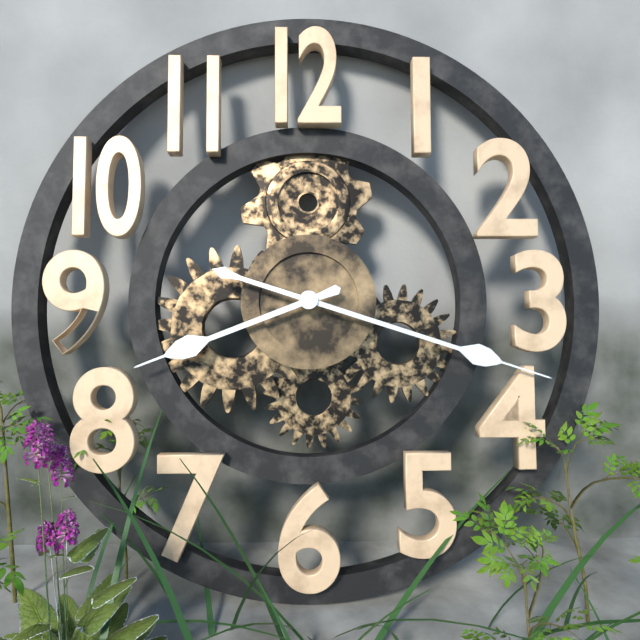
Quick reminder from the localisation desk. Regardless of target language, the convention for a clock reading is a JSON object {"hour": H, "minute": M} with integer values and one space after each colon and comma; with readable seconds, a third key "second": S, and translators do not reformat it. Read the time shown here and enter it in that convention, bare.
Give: {"hour": 8, "minute": 18}
